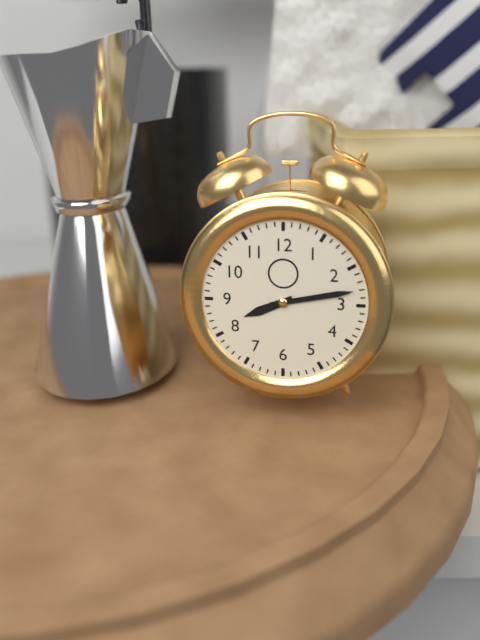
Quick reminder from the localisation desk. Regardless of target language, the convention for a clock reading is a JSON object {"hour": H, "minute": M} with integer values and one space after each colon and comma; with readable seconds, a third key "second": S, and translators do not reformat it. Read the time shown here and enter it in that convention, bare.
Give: {"hour": 8, "minute": 13}
